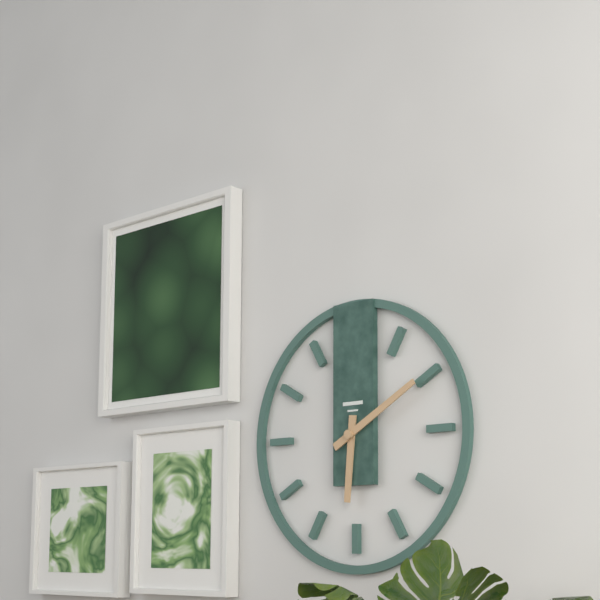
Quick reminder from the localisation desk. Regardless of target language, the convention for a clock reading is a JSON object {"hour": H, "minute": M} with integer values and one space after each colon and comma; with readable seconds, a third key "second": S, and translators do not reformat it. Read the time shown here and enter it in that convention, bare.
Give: {"hour": 6, "minute": 10}
